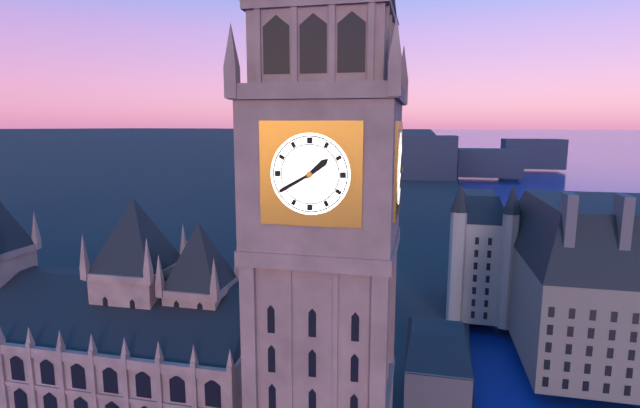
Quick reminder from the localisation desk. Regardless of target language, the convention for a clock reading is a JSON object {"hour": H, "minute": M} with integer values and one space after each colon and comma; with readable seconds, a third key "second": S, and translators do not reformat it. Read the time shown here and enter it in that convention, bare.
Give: {"hour": 1, "minute": 40}
